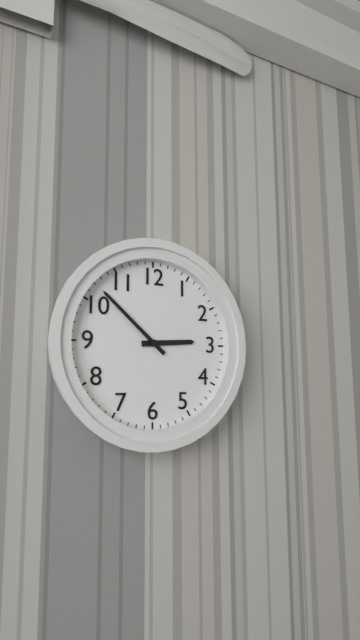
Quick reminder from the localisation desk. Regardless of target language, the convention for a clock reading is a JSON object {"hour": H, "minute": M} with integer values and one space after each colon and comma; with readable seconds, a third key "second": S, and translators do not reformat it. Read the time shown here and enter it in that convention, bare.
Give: {"hour": 2, "minute": 52}
